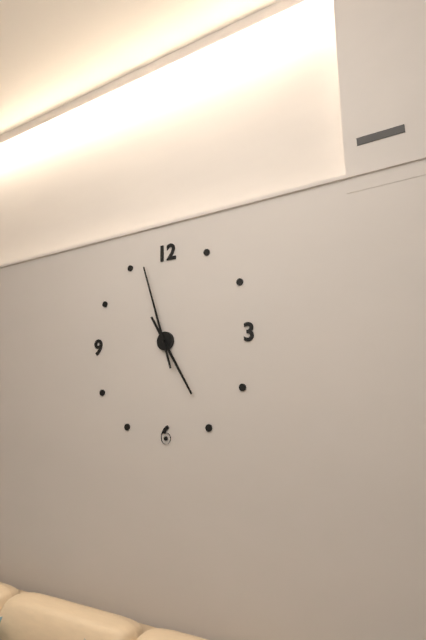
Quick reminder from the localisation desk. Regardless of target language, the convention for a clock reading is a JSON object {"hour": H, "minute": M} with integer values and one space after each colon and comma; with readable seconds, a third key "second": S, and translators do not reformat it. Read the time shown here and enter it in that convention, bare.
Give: {"hour": 4, "minute": 57}
